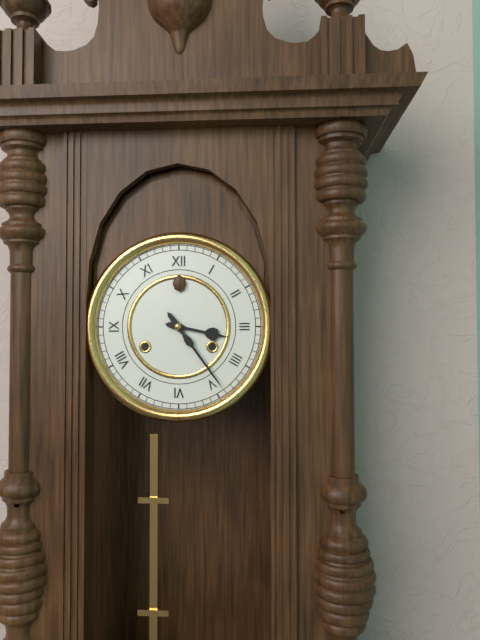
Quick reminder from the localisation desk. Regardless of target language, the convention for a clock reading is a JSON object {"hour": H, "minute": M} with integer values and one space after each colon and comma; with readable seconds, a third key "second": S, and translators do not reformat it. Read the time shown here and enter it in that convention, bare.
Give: {"hour": 3, "minute": 24}
